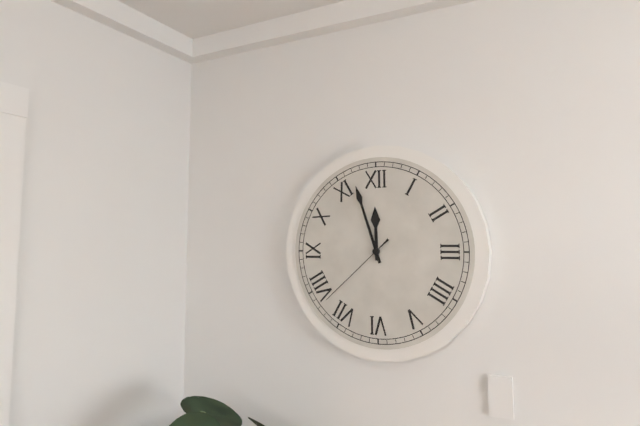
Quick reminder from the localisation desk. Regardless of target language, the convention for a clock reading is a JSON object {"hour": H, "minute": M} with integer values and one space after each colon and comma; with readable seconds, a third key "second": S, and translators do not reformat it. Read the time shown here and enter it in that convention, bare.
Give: {"hour": 11, "minute": 57, "second": 38}
